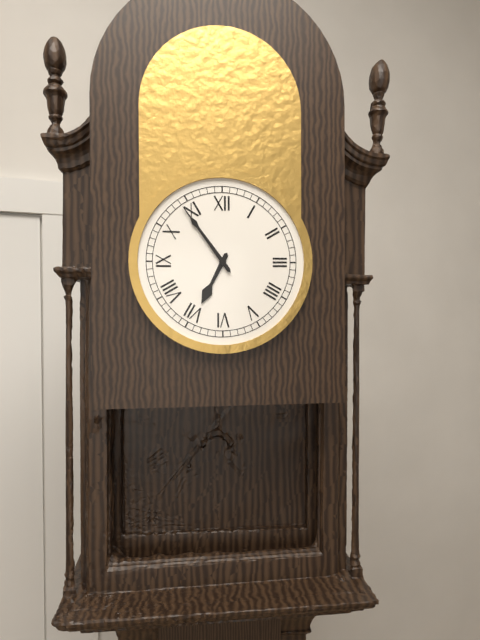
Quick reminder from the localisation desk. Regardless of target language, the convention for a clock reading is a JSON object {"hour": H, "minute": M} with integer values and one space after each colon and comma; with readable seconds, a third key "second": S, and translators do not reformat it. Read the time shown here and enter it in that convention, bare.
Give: {"hour": 6, "minute": 54}
